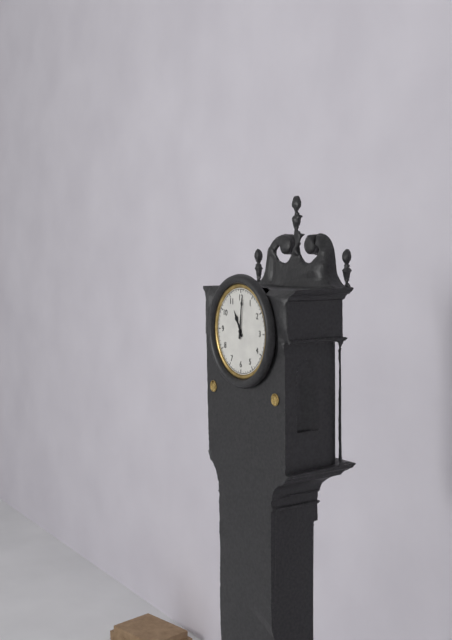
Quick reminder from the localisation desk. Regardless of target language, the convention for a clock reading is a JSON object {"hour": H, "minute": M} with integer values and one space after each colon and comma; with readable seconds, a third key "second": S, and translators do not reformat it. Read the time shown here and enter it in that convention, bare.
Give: {"hour": 11, "minute": 1}
